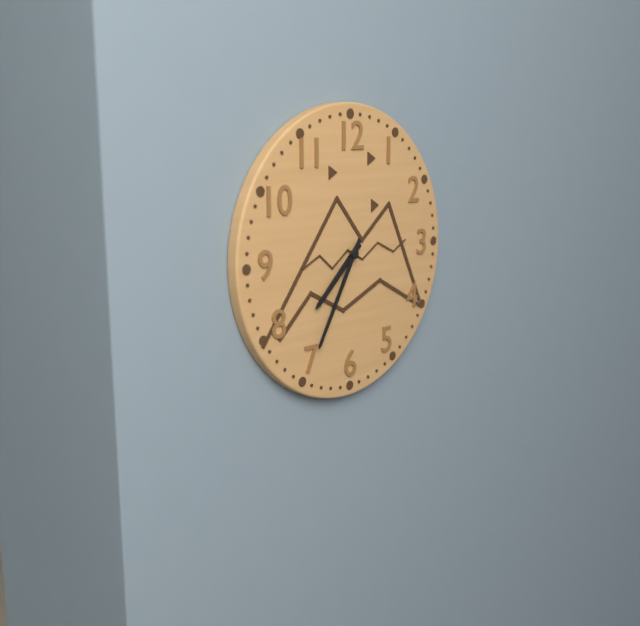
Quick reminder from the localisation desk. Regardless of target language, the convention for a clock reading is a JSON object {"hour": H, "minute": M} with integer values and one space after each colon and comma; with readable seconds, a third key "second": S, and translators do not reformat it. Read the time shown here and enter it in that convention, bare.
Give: {"hour": 7, "minute": 35}
